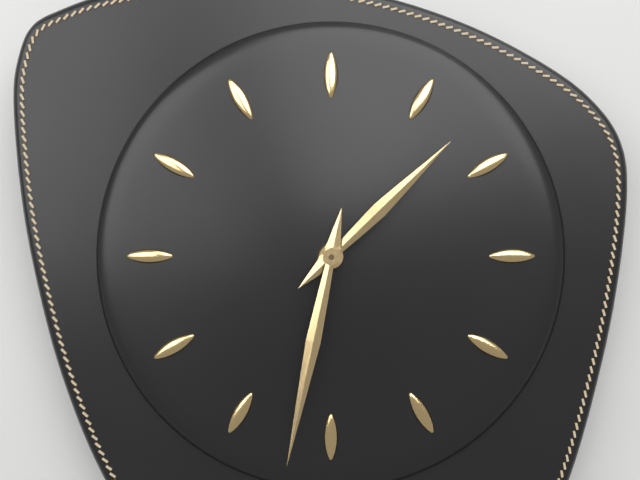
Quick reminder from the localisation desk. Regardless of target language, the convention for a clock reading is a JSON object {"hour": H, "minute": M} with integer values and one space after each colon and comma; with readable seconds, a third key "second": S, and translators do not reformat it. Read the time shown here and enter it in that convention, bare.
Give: {"hour": 1, "minute": 32}
